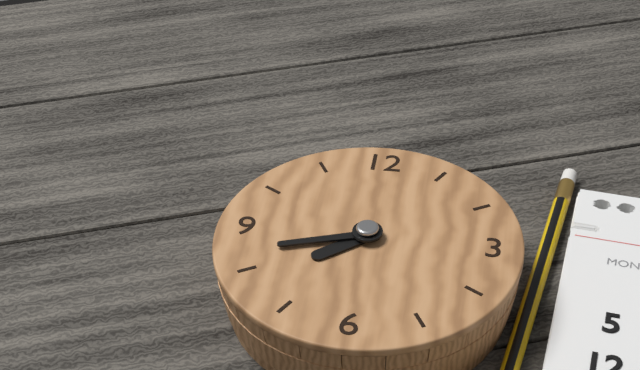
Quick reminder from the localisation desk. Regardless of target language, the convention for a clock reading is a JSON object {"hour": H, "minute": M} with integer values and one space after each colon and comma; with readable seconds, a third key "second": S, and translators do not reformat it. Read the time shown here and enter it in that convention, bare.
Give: {"hour": 7, "minute": 42}
